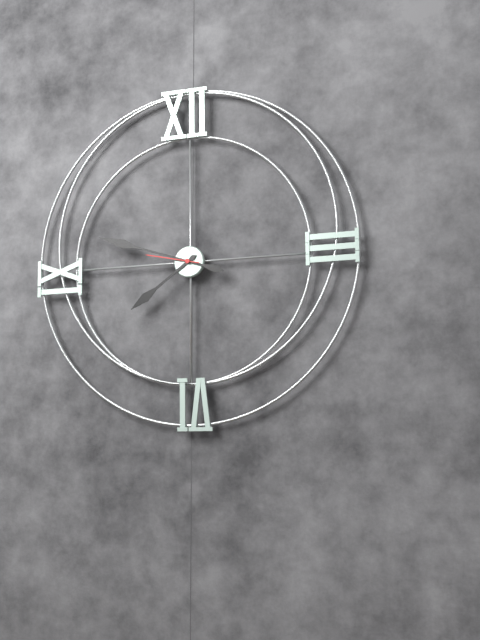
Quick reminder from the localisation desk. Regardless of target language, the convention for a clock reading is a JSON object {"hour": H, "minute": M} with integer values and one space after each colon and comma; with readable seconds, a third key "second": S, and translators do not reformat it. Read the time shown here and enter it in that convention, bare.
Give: {"hour": 7, "minute": 48, "second": 47}
